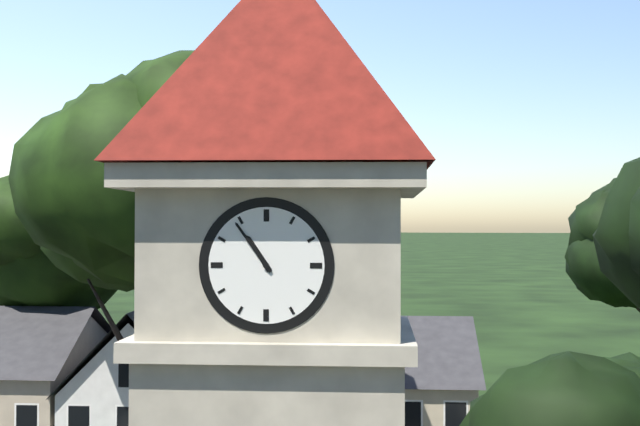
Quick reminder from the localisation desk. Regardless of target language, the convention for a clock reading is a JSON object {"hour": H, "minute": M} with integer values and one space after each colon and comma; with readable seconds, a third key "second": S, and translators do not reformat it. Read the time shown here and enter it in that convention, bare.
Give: {"hour": 10, "minute": 54}
